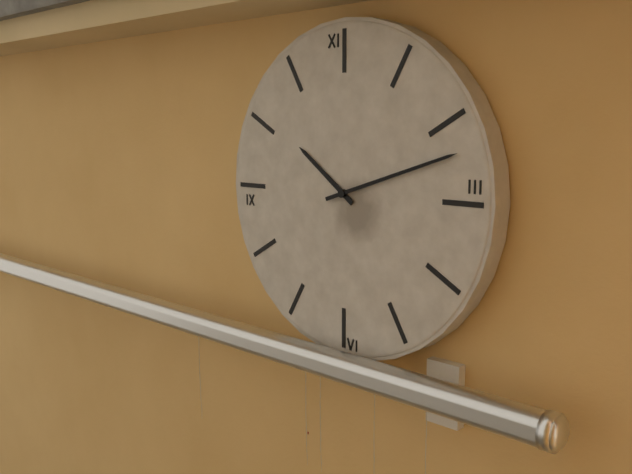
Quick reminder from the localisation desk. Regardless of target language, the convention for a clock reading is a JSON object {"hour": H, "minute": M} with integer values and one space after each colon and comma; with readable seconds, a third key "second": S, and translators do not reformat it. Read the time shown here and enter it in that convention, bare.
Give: {"hour": 10, "minute": 12}
